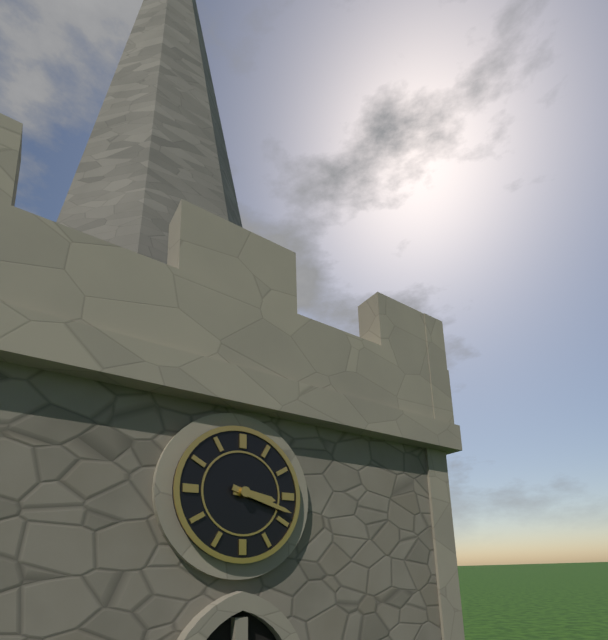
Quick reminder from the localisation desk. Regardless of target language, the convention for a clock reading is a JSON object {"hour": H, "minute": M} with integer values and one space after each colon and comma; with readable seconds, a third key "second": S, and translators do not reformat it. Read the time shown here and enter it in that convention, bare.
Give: {"hour": 3, "minute": 18}
